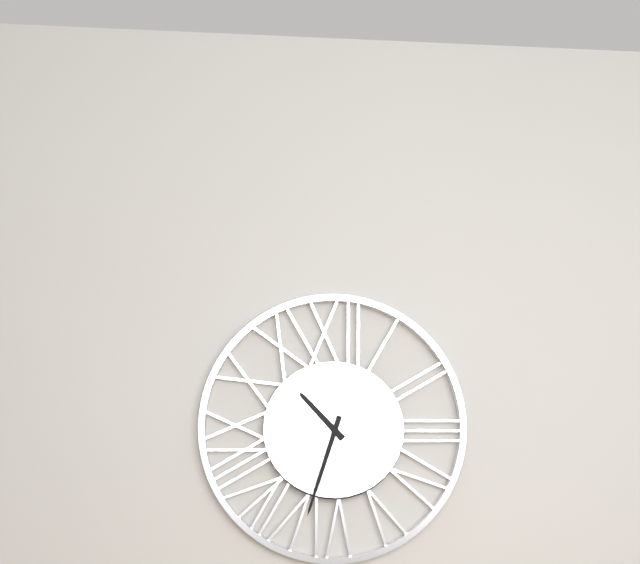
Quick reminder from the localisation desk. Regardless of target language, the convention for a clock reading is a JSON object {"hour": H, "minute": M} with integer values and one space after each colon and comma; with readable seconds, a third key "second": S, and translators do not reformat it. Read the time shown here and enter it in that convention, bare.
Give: {"hour": 10, "minute": 33}
